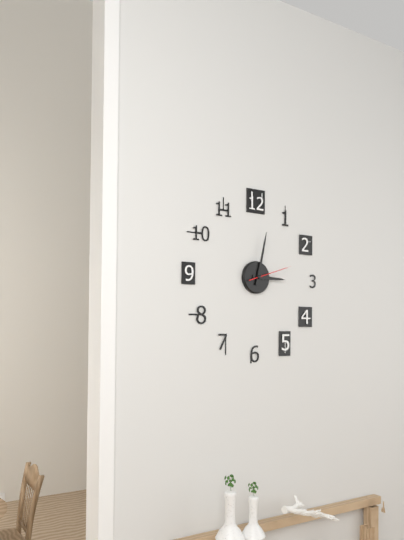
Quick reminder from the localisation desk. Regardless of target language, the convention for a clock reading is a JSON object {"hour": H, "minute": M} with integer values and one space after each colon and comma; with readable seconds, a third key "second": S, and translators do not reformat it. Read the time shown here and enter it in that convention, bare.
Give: {"hour": 3, "minute": 2}
